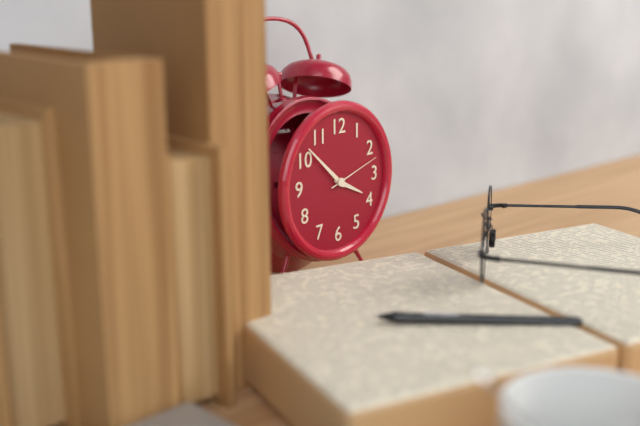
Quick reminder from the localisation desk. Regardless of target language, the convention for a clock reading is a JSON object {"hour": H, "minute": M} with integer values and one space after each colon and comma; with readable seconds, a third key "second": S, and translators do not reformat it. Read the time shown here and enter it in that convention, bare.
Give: {"hour": 3, "minute": 52, "second": 12}
